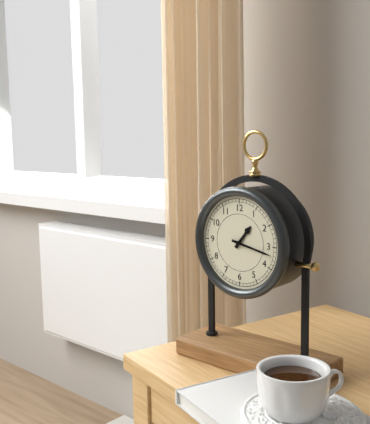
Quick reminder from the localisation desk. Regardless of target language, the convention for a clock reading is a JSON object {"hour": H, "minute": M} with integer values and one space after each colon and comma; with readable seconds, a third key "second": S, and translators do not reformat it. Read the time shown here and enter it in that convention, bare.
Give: {"hour": 1, "minute": 17}
